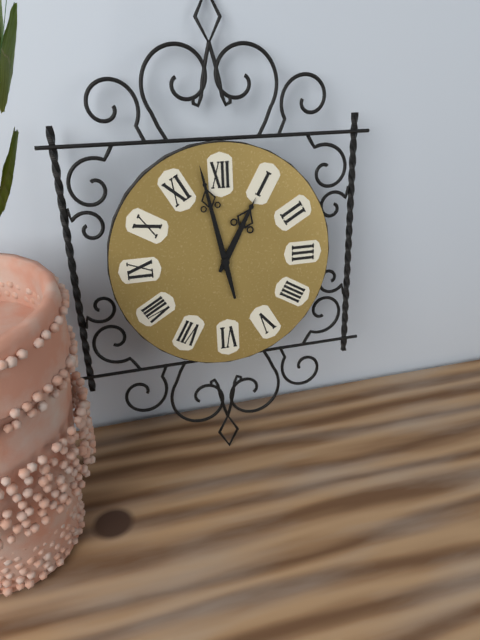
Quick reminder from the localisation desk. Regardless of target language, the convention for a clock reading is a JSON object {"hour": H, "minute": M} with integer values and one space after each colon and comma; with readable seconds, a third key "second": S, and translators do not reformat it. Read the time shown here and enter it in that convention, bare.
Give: {"hour": 12, "minute": 58}
